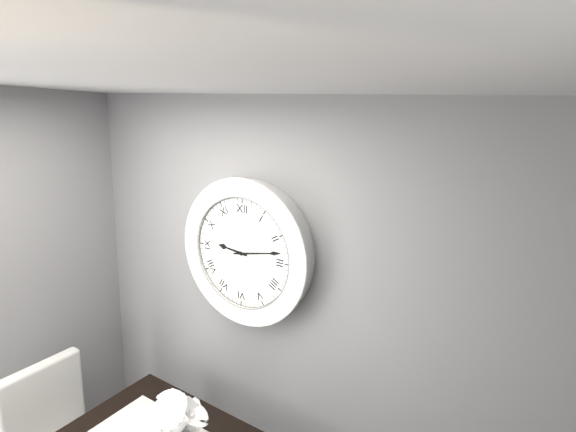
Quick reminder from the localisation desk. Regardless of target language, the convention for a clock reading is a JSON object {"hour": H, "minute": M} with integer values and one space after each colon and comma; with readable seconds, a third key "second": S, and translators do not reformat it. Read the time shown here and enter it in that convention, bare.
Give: {"hour": 9, "minute": 13}
